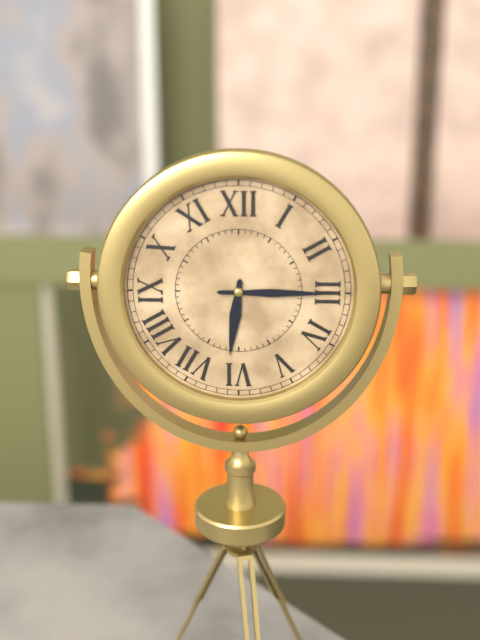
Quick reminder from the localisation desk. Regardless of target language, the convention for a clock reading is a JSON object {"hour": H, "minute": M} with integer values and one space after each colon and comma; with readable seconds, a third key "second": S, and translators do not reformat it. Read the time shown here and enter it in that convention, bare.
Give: {"hour": 6, "minute": 15}
